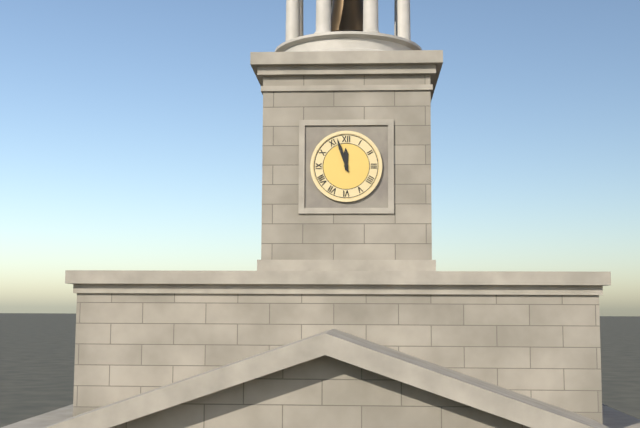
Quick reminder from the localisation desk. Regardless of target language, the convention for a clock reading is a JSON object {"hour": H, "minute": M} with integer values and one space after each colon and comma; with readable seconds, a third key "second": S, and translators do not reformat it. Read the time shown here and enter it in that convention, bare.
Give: {"hour": 11, "minute": 57}
